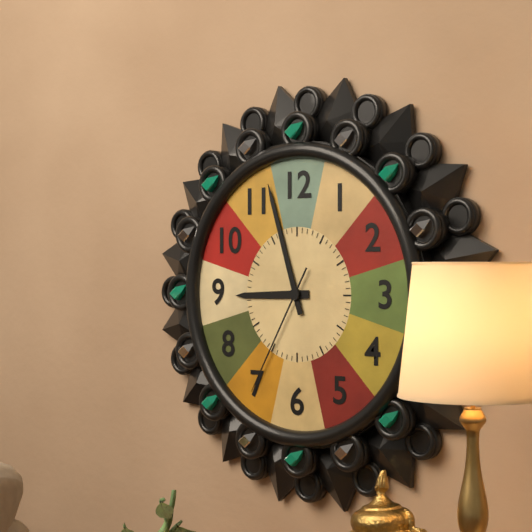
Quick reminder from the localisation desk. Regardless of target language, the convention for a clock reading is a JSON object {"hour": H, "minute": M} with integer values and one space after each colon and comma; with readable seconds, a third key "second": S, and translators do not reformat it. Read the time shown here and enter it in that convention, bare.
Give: {"hour": 8, "minute": 57, "second": 35}
